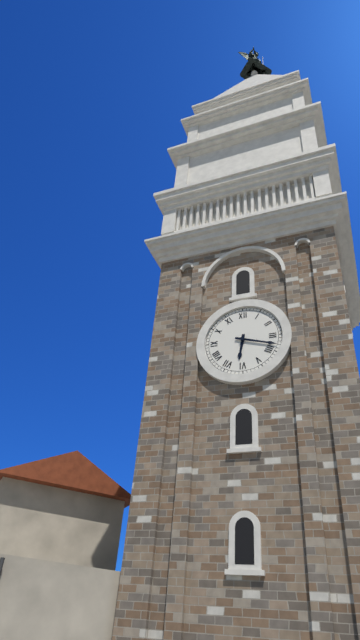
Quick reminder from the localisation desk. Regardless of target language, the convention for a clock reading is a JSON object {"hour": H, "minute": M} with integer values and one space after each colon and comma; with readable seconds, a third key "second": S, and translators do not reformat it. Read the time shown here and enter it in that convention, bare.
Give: {"hour": 6, "minute": 18}
